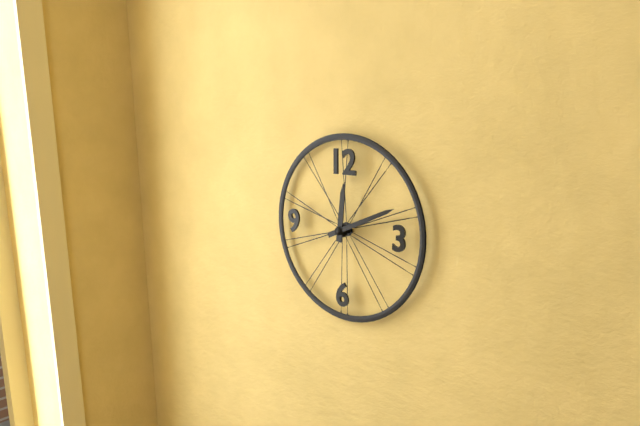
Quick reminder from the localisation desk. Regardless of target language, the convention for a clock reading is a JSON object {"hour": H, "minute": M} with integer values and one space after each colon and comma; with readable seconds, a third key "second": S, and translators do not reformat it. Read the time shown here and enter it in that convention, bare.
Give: {"hour": 12, "minute": 11}
